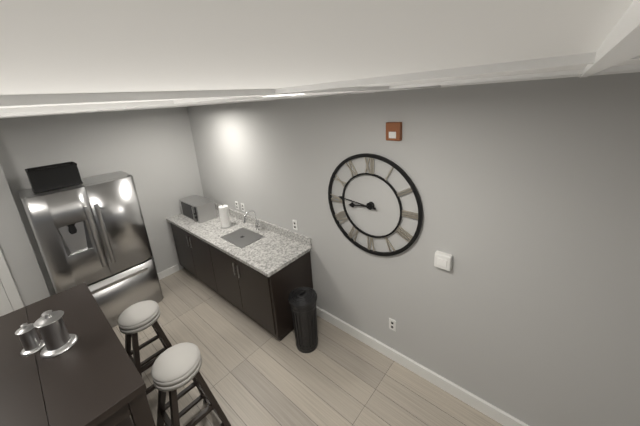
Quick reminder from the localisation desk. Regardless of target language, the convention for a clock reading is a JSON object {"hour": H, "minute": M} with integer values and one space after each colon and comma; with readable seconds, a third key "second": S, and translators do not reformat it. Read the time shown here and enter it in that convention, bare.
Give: {"hour": 8, "minute": 46}
